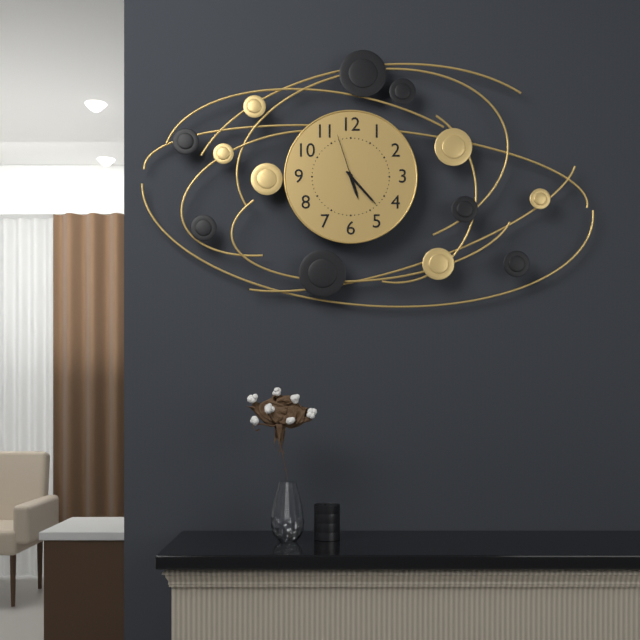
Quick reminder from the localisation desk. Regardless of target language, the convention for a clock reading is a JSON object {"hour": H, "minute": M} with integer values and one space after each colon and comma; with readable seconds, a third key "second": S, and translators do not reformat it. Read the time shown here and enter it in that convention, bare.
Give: {"hour": 5, "minute": 23, "second": 57}
